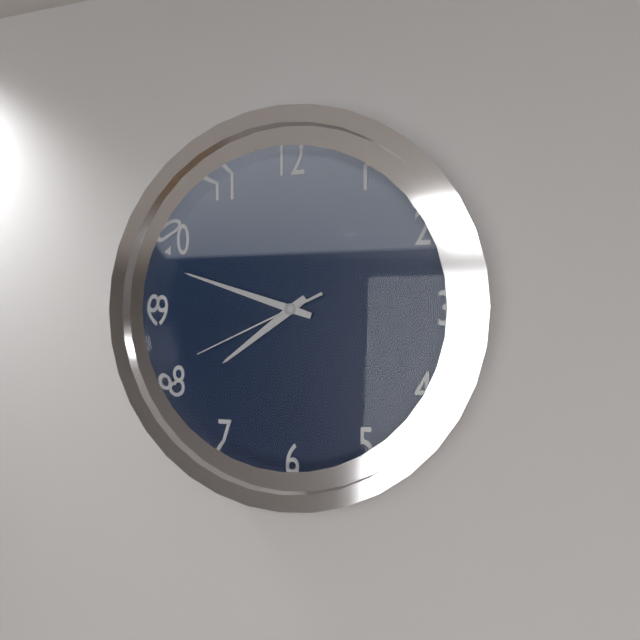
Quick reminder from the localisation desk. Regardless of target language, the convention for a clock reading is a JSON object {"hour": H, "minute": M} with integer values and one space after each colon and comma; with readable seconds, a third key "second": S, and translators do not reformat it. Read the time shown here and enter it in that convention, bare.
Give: {"hour": 7, "minute": 48, "second": 41}
